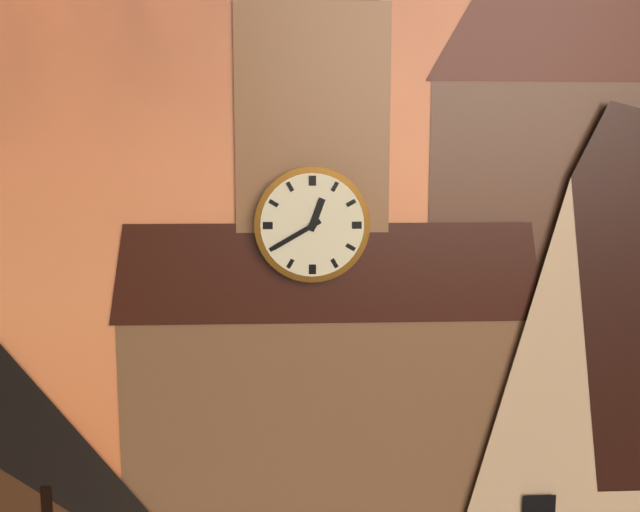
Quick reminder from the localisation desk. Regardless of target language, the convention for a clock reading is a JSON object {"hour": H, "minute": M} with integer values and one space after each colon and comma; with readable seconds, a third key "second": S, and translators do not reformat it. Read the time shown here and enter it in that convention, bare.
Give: {"hour": 12, "minute": 40}
